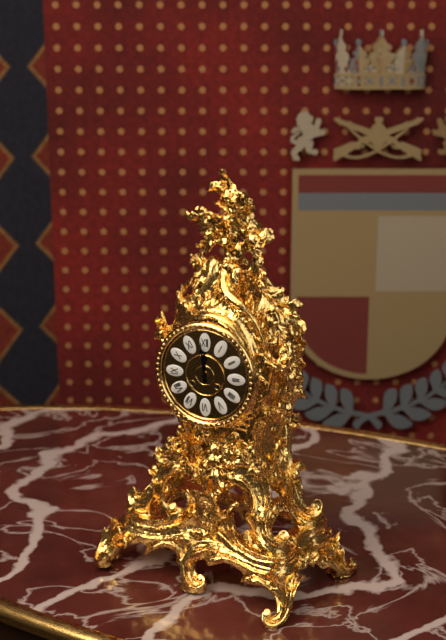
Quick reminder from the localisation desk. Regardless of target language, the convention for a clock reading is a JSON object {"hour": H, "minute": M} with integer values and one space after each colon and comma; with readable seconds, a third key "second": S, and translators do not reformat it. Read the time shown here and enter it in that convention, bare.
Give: {"hour": 11, "minute": 59}
